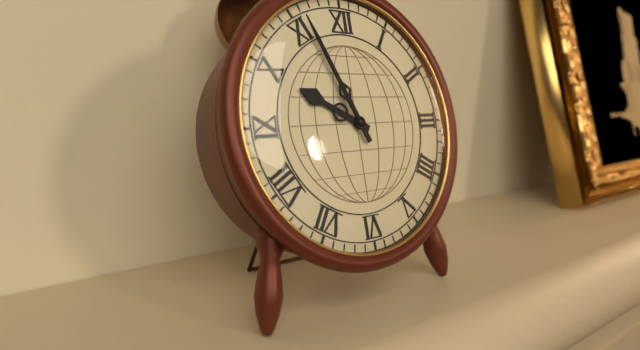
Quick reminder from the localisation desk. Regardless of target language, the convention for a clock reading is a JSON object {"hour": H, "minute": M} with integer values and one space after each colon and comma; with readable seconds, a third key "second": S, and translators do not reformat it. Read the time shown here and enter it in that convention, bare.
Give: {"hour": 9, "minute": 56}
